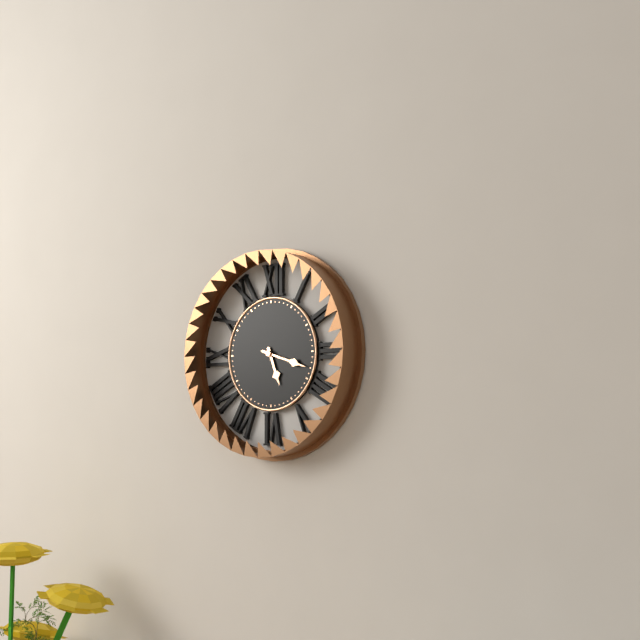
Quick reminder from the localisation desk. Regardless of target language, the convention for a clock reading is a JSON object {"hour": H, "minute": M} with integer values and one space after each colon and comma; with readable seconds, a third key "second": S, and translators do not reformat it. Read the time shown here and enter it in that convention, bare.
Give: {"hour": 5, "minute": 18}
